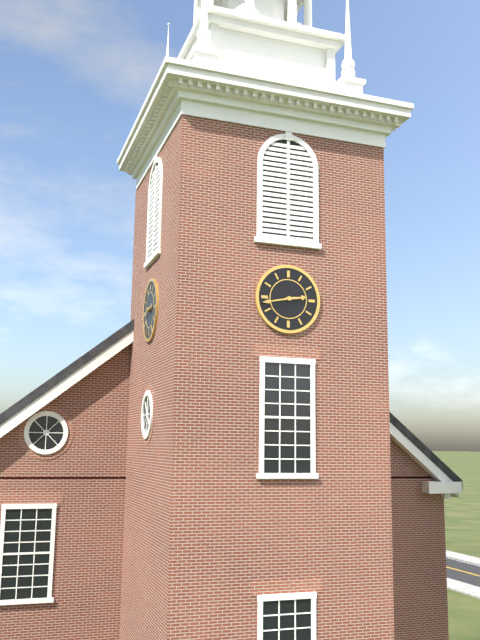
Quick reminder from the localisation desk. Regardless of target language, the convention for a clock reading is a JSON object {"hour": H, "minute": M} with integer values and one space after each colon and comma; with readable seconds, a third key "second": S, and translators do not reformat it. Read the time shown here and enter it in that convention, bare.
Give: {"hour": 2, "minute": 43}
